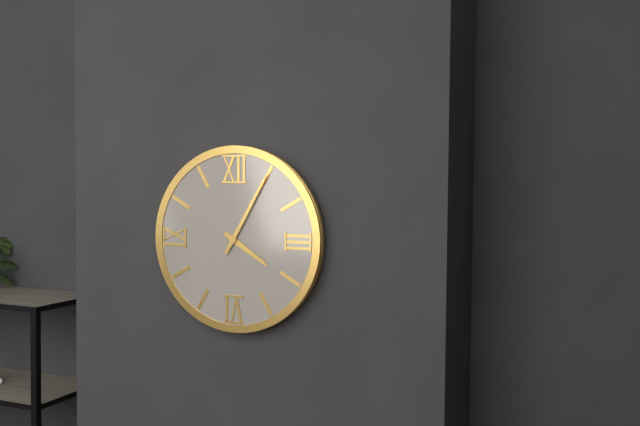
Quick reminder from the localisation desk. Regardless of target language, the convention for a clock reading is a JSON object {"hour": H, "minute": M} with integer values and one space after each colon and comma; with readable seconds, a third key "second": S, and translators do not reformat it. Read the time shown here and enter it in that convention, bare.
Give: {"hour": 4, "minute": 5}
